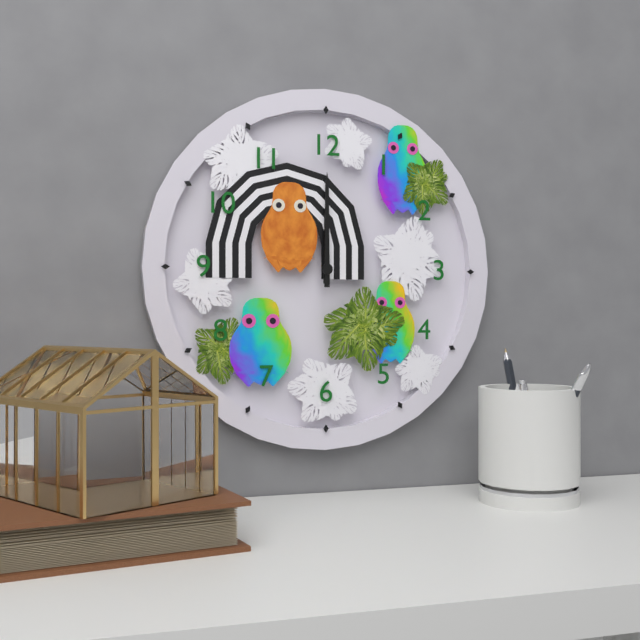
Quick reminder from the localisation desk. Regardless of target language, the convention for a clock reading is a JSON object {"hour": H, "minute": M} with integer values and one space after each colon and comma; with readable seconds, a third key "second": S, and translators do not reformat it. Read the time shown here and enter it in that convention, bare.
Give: {"hour": 12, "minute": 0}
